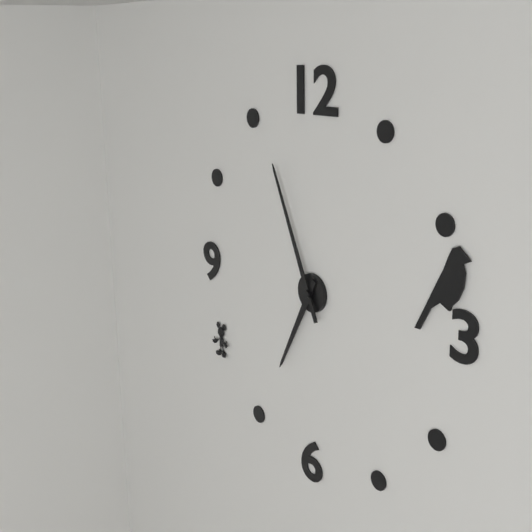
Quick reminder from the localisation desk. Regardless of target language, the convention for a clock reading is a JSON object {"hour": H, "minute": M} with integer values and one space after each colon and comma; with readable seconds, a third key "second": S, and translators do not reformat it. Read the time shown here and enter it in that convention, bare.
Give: {"hour": 6, "minute": 56}
